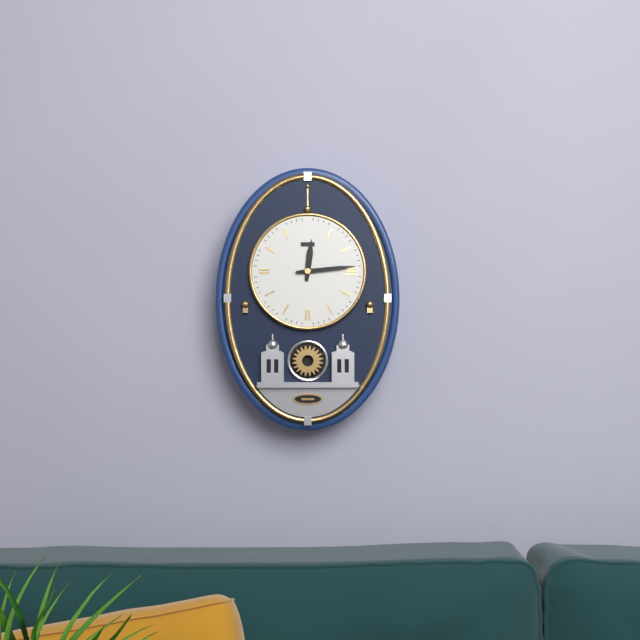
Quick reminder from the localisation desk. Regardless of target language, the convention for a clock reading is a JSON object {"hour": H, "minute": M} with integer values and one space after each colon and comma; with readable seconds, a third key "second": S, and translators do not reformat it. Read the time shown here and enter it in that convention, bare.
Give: {"hour": 12, "minute": 14}
